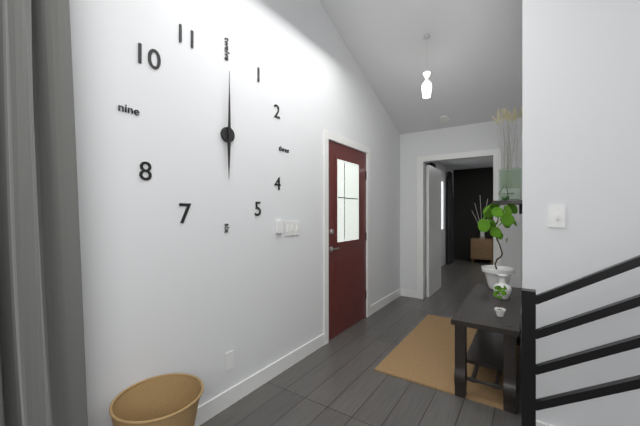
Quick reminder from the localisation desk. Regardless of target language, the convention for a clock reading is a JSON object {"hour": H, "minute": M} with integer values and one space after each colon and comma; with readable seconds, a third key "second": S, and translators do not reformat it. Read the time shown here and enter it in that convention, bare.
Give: {"hour": 6, "minute": 0}
